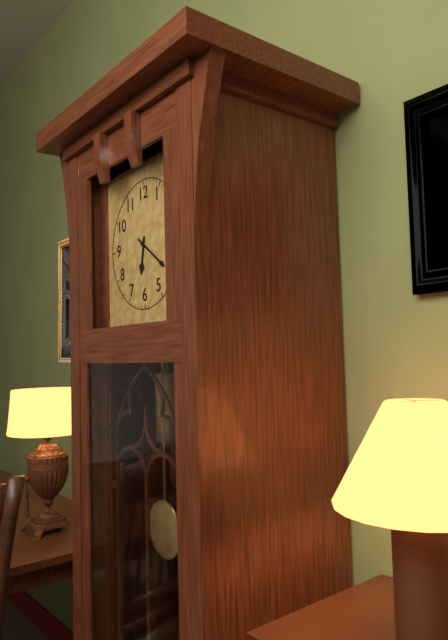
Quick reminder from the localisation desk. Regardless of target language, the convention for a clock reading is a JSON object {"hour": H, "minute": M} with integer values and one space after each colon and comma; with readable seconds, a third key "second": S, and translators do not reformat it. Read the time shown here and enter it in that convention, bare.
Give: {"hour": 6, "minute": 21}
